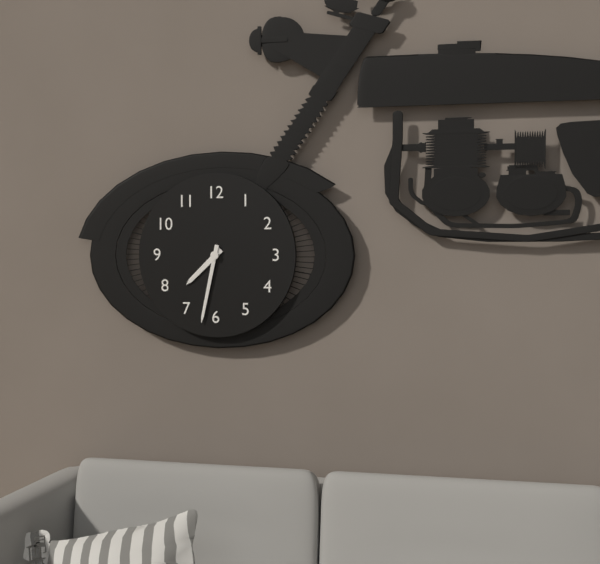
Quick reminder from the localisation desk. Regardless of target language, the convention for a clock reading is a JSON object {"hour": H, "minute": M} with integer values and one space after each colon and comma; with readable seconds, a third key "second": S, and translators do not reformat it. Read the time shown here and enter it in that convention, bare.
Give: {"hour": 7, "minute": 32}
